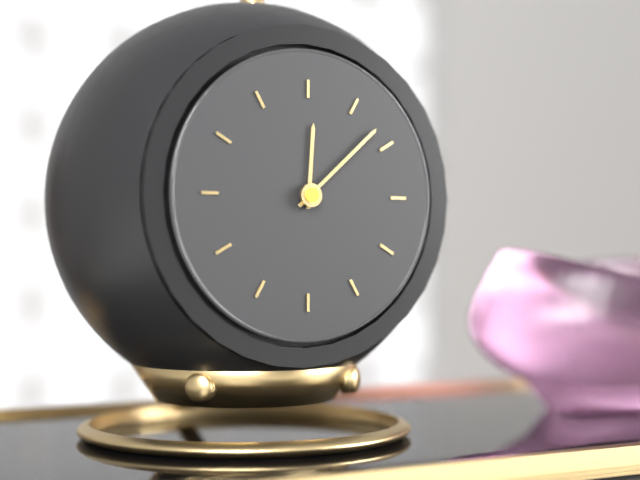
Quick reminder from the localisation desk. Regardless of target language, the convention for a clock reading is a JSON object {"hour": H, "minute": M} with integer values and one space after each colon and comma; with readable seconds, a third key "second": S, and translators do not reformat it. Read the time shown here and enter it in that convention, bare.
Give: {"hour": 12, "minute": 8}
